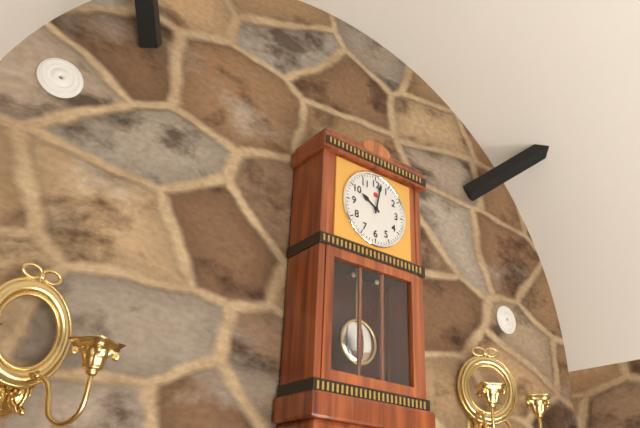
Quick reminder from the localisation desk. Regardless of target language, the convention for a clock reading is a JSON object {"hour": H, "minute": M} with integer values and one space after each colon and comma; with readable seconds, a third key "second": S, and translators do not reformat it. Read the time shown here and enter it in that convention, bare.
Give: {"hour": 10, "minute": 2}
